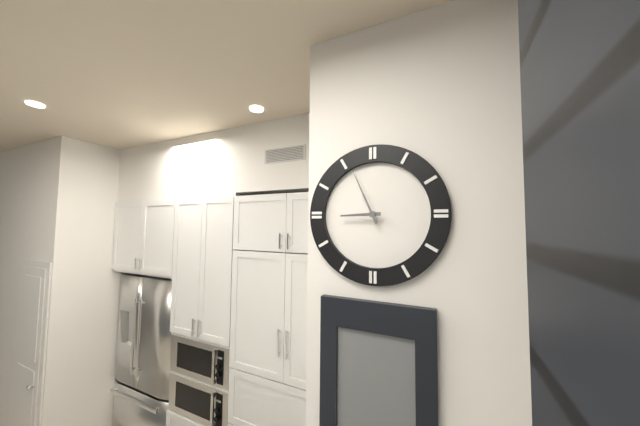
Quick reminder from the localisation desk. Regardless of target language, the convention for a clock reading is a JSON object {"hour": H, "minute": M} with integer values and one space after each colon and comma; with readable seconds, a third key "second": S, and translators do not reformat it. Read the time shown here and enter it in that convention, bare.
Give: {"hour": 8, "minute": 56}
